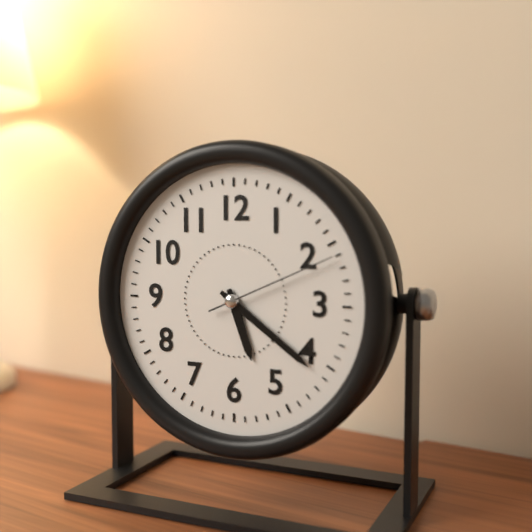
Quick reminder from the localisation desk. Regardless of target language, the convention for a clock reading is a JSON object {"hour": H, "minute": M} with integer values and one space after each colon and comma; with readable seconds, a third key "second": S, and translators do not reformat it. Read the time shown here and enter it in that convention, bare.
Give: {"hour": 5, "minute": 21, "second": 11}
